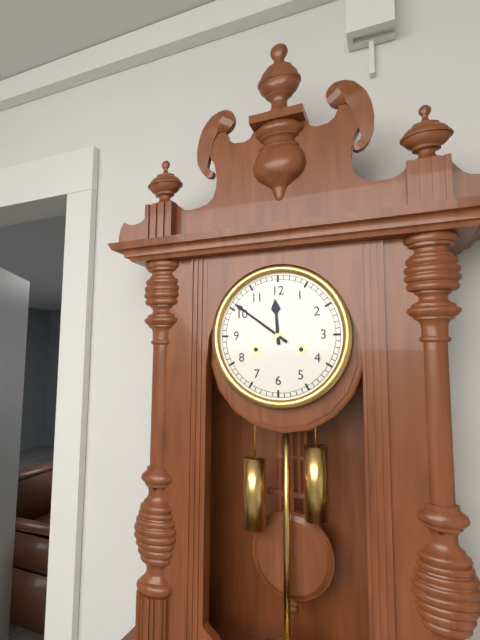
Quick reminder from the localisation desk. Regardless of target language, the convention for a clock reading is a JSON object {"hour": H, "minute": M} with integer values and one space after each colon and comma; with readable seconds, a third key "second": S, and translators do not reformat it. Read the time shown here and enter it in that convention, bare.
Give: {"hour": 11, "minute": 51}
